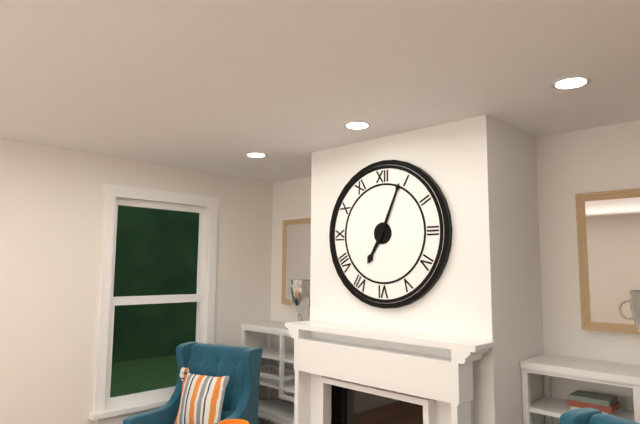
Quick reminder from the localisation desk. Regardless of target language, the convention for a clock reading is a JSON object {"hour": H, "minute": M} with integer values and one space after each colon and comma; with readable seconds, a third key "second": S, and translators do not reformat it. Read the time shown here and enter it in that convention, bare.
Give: {"hour": 7, "minute": 4}
